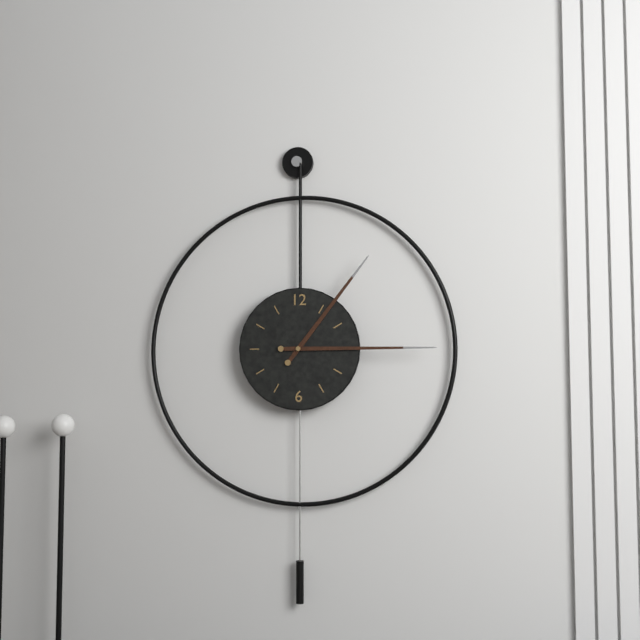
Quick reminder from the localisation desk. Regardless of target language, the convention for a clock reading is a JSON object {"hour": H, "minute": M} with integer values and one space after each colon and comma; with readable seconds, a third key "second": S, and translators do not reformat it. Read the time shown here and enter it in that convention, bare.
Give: {"hour": 1, "minute": 15}
